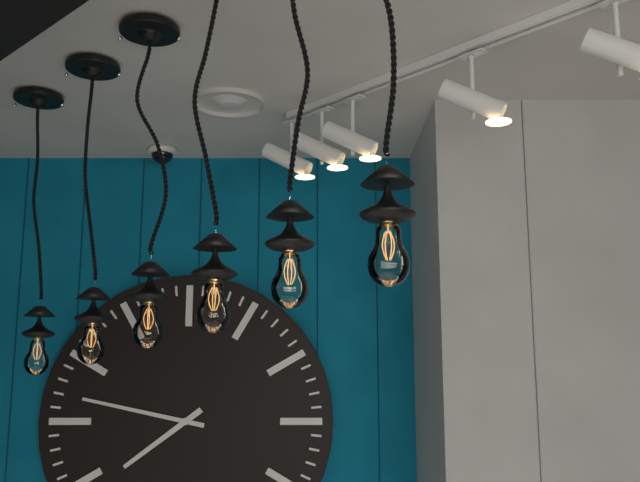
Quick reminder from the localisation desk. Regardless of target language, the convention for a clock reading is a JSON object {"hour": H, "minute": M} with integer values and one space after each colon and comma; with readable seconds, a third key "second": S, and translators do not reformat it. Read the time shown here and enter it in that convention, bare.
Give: {"hour": 7, "minute": 47}
